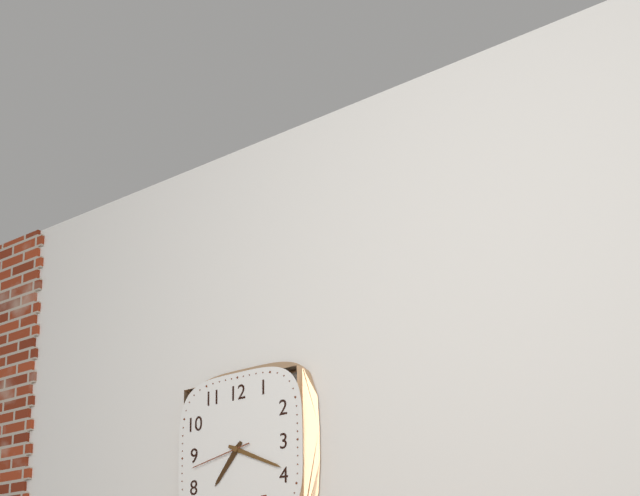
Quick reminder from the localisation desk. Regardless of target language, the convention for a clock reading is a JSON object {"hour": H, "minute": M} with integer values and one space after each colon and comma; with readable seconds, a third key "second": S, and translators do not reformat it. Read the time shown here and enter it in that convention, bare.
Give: {"hour": 7, "minute": 19, "second": 43}
